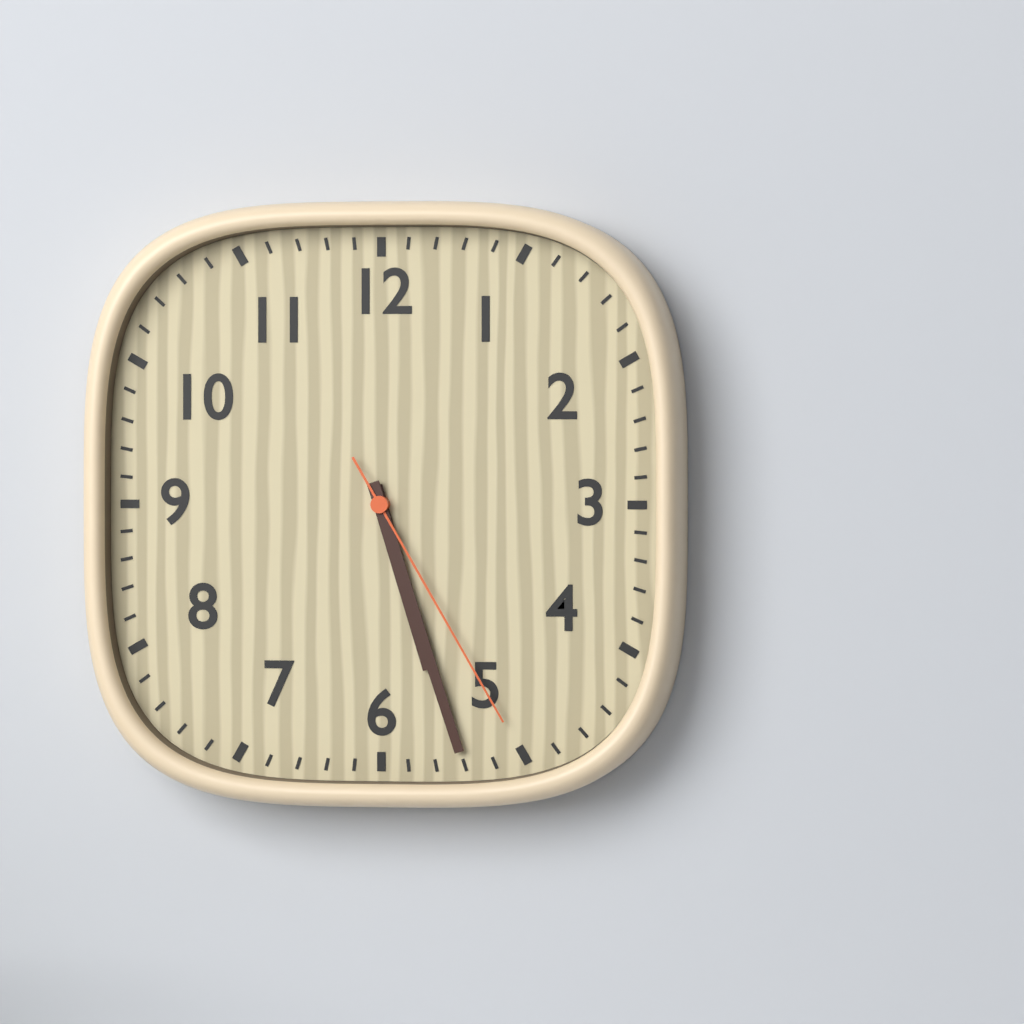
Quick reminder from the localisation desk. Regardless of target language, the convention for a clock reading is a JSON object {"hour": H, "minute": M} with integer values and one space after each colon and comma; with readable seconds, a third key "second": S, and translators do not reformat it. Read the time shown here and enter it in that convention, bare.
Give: {"hour": 5, "minute": 27, "second": 25}
